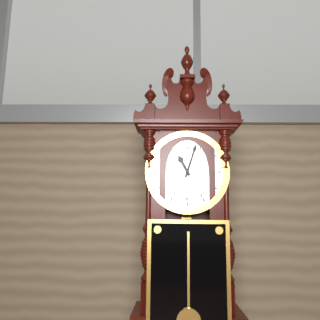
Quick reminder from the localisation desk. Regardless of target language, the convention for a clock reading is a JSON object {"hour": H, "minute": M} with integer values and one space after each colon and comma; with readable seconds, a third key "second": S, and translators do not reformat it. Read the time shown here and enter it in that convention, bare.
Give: {"hour": 11, "minute": 3}
